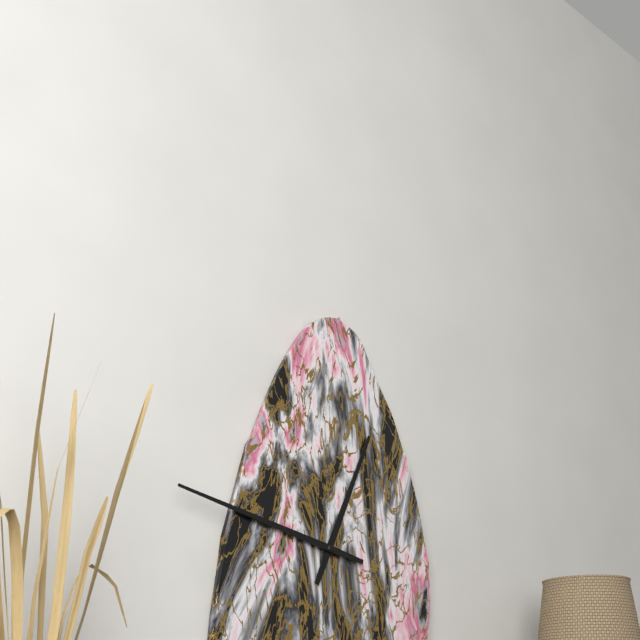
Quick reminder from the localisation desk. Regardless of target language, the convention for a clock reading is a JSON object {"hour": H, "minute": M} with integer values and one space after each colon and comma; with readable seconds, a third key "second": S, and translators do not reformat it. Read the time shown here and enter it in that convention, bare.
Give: {"hour": 12, "minute": 47}
